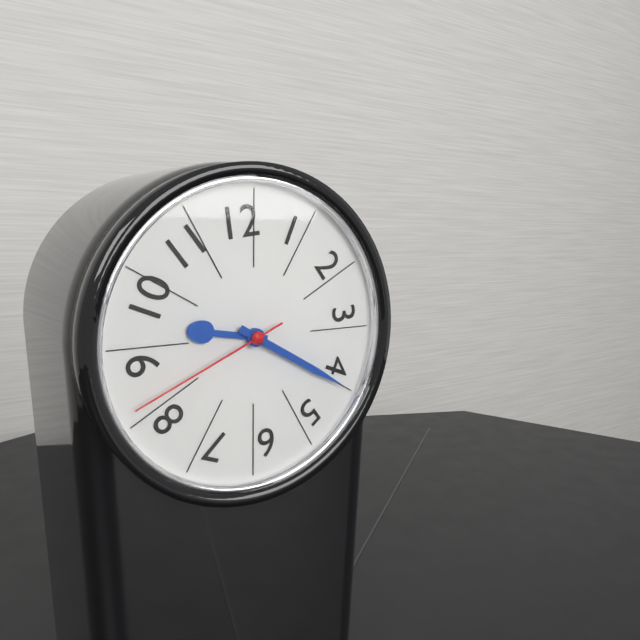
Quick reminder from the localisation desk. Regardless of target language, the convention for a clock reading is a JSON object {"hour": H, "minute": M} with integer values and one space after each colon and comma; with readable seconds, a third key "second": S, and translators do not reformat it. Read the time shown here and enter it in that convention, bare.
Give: {"hour": 9, "minute": 20, "second": 41}
